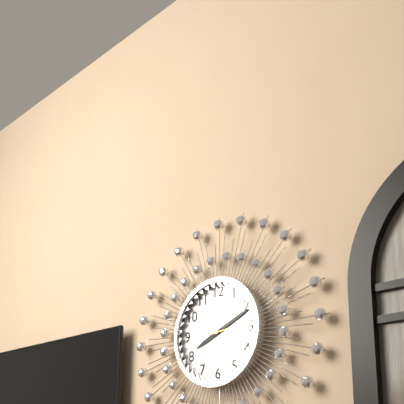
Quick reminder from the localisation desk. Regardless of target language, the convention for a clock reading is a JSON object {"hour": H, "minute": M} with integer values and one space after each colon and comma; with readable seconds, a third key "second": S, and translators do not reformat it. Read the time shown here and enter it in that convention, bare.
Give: {"hour": 8, "minute": 11}
